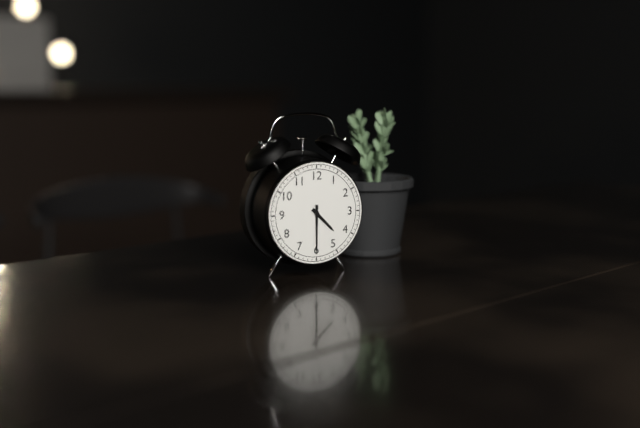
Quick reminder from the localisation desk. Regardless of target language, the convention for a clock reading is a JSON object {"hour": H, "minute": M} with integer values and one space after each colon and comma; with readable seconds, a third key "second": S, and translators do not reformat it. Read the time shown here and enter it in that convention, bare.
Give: {"hour": 4, "minute": 30}
